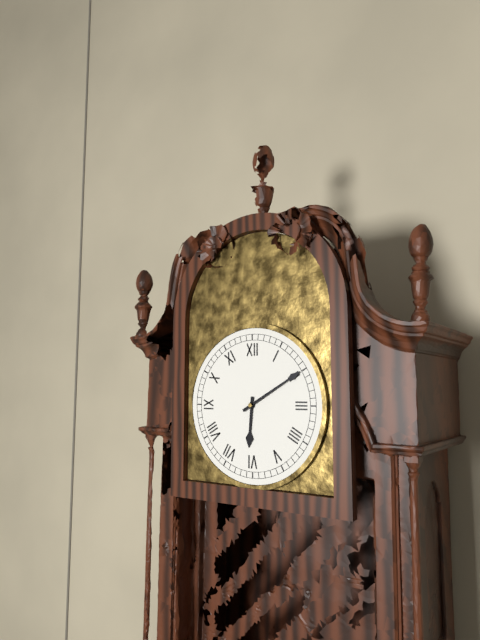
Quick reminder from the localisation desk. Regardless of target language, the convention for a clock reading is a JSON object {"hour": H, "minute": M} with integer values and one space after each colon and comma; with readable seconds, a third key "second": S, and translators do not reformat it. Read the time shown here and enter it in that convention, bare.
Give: {"hour": 6, "minute": 10}
